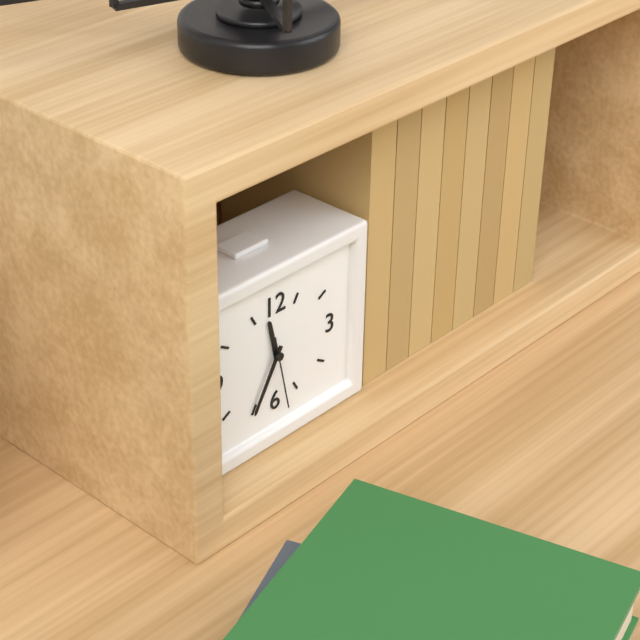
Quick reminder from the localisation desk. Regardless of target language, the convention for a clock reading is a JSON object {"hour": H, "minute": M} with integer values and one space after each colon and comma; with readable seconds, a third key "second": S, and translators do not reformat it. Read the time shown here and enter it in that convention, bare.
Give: {"hour": 11, "minute": 35, "second": 28}
